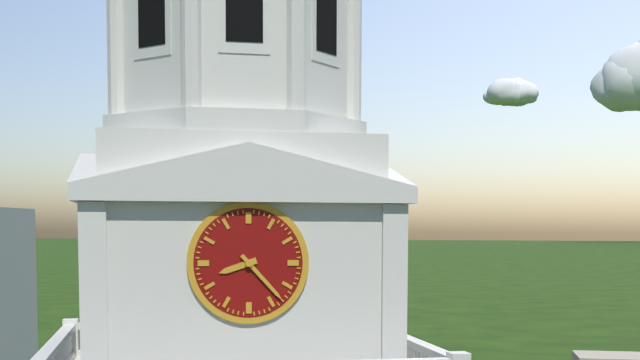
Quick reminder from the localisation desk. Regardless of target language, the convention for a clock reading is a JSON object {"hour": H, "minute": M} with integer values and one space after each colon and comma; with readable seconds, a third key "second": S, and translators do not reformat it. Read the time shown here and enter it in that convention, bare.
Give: {"hour": 8, "minute": 23}
